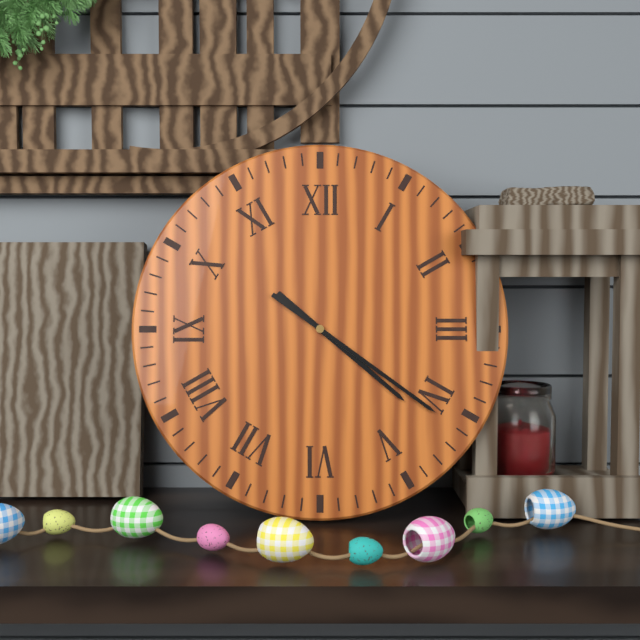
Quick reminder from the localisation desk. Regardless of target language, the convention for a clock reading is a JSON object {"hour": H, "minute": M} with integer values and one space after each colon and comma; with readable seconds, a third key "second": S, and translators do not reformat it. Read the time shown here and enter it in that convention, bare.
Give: {"hour": 4, "minute": 21}
